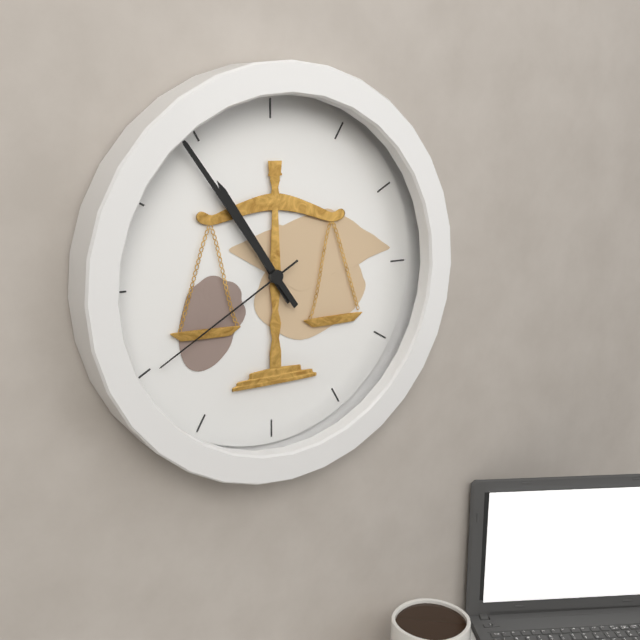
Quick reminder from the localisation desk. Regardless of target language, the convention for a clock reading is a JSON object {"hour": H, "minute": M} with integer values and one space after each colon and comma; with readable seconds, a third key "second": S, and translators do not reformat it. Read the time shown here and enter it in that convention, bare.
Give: {"hour": 10, "minute": 54, "second": 40}
